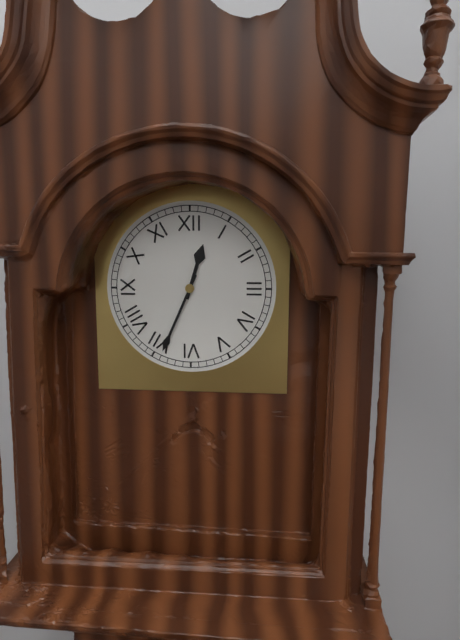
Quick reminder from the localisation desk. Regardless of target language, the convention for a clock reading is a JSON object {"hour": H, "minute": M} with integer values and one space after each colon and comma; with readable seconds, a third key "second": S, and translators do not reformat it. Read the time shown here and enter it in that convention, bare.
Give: {"hour": 12, "minute": 34}
